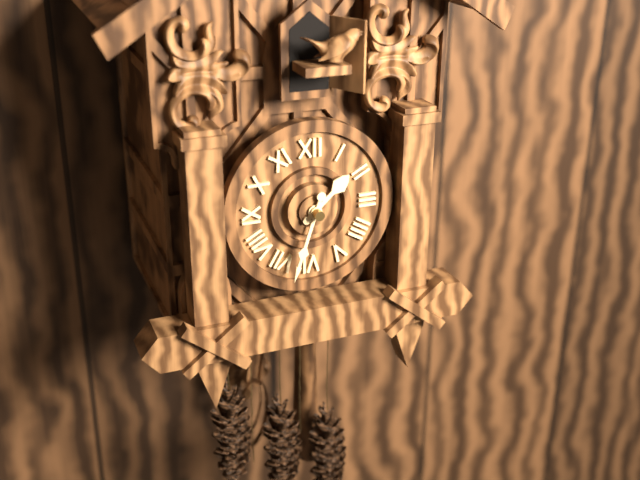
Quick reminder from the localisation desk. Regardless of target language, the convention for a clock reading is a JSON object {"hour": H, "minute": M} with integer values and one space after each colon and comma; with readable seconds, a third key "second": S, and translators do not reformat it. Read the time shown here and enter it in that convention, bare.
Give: {"hour": 1, "minute": 33}
